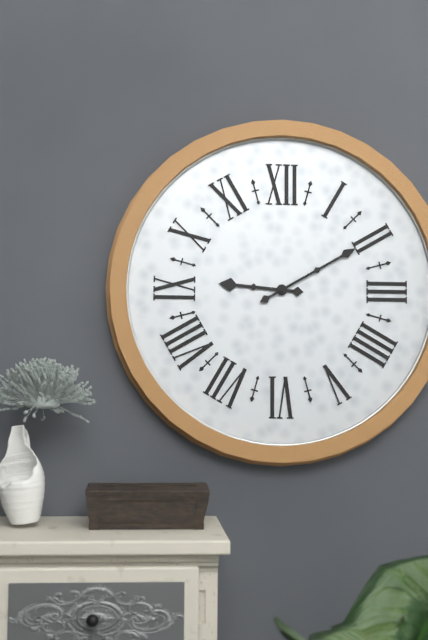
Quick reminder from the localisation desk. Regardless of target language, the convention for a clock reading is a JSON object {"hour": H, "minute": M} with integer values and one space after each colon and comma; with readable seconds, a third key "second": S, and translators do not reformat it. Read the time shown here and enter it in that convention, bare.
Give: {"hour": 9, "minute": 10}
